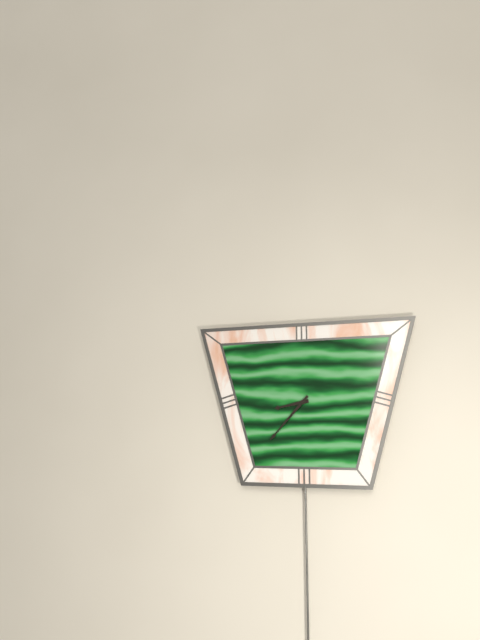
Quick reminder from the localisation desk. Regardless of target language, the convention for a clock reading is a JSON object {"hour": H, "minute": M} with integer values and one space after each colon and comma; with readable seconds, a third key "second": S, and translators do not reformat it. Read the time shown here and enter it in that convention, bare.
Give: {"hour": 8, "minute": 37}
